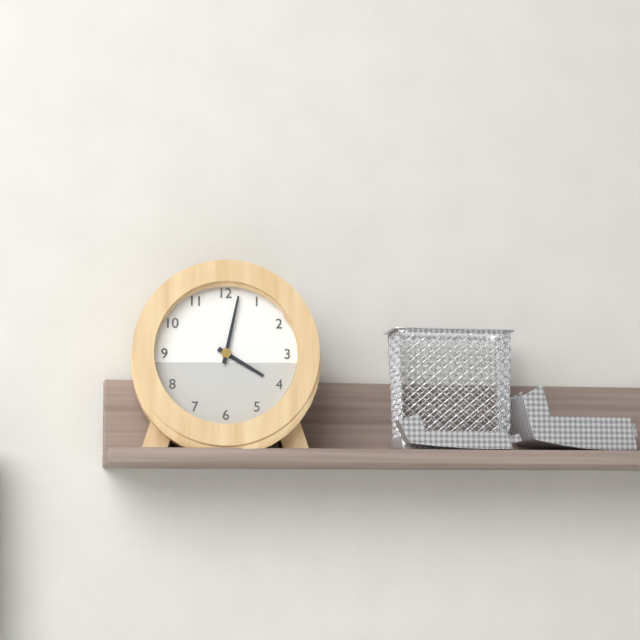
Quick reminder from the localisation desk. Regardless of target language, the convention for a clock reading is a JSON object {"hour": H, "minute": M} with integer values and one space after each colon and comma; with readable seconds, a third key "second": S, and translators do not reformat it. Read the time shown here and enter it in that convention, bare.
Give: {"hour": 4, "minute": 2}
